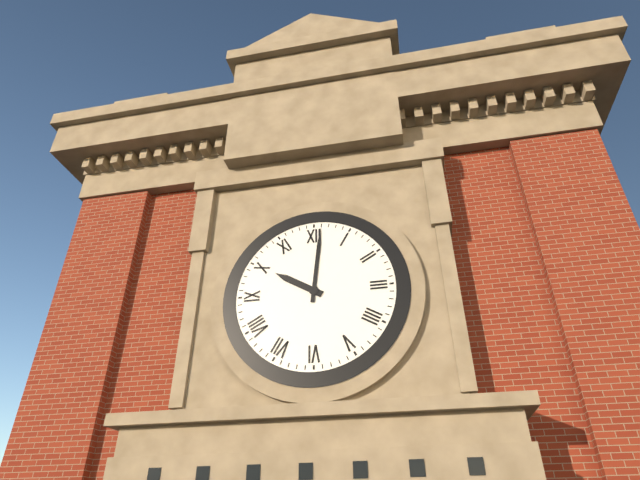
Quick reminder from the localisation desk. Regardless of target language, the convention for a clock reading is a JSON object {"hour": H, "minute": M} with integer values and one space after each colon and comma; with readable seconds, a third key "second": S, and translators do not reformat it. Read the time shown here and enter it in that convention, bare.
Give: {"hour": 10, "minute": 1}
